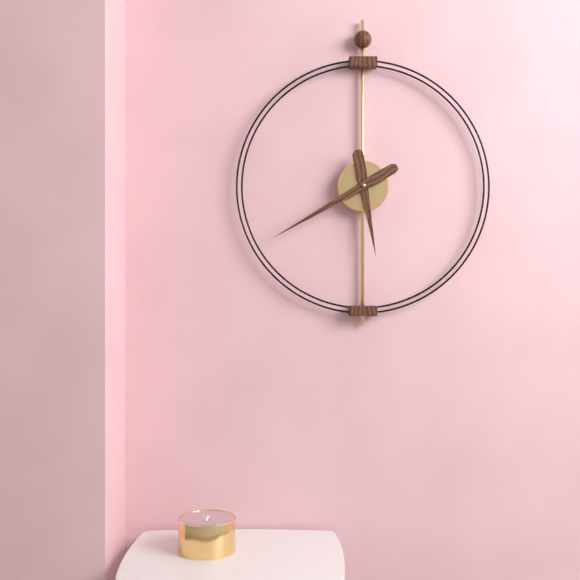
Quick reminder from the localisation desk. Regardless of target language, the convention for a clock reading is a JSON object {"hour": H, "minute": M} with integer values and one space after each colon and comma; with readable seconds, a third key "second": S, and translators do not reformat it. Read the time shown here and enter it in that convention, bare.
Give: {"hour": 5, "minute": 40}
